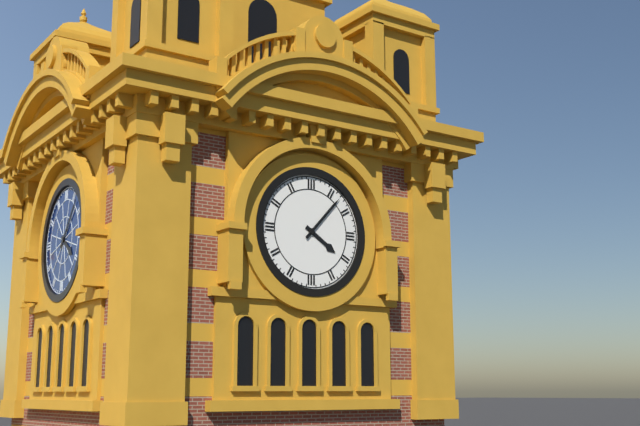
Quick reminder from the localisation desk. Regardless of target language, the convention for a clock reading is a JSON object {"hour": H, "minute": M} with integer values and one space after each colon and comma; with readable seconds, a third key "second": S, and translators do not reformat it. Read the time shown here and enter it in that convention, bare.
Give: {"hour": 4, "minute": 7}
